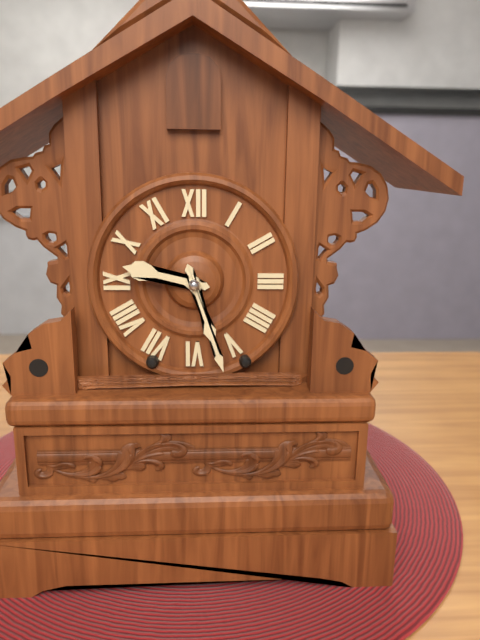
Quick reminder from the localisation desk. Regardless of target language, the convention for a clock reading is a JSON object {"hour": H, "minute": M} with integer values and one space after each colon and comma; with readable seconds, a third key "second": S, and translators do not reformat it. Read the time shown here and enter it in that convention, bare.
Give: {"hour": 9, "minute": 27}
